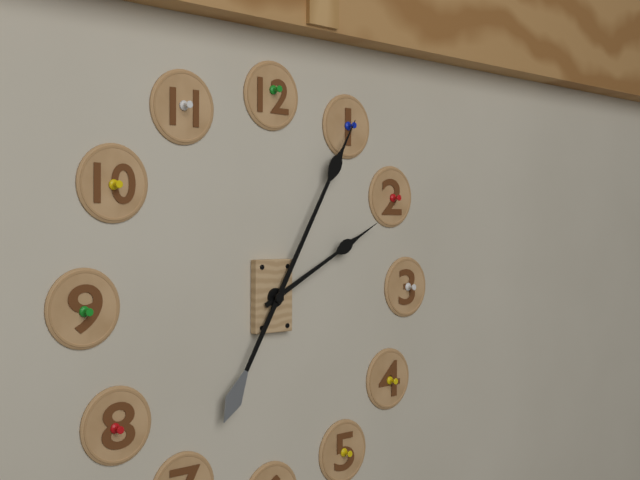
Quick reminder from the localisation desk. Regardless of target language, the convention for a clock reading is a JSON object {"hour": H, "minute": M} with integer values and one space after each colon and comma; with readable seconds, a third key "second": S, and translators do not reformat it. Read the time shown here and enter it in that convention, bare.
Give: {"hour": 2, "minute": 5}
